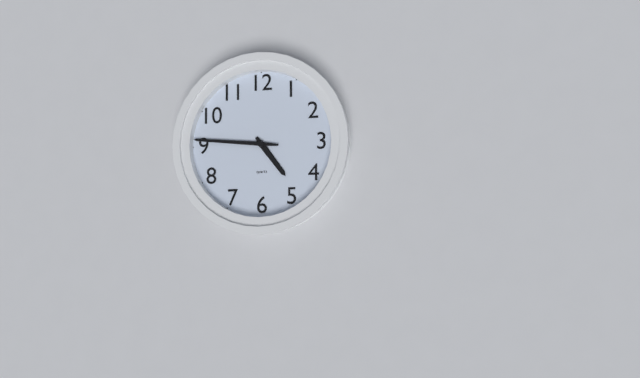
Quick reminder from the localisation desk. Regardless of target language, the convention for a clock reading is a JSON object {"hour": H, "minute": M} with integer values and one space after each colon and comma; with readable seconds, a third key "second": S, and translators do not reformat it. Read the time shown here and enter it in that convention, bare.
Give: {"hour": 4, "minute": 46}
